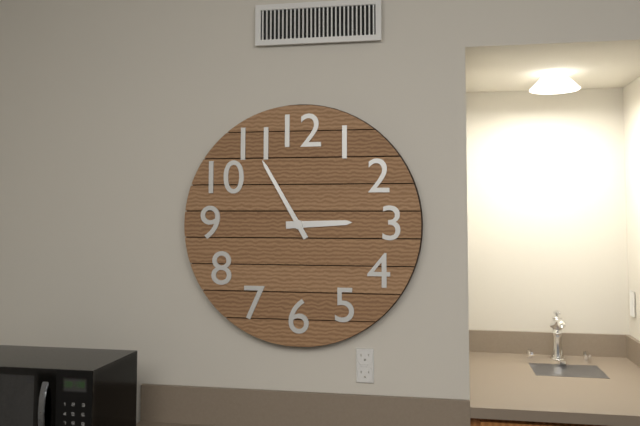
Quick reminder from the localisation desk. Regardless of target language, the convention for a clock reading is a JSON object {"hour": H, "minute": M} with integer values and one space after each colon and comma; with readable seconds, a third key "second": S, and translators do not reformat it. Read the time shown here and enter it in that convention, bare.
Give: {"hour": 2, "minute": 55}
